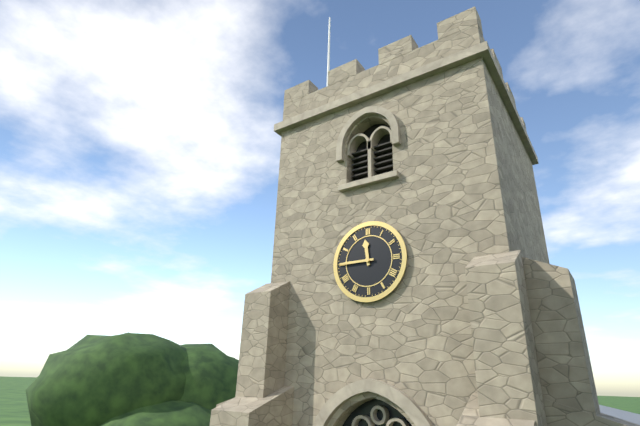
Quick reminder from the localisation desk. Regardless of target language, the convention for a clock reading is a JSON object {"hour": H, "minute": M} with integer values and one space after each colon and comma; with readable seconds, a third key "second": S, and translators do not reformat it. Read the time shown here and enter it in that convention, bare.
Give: {"hour": 11, "minute": 45}
